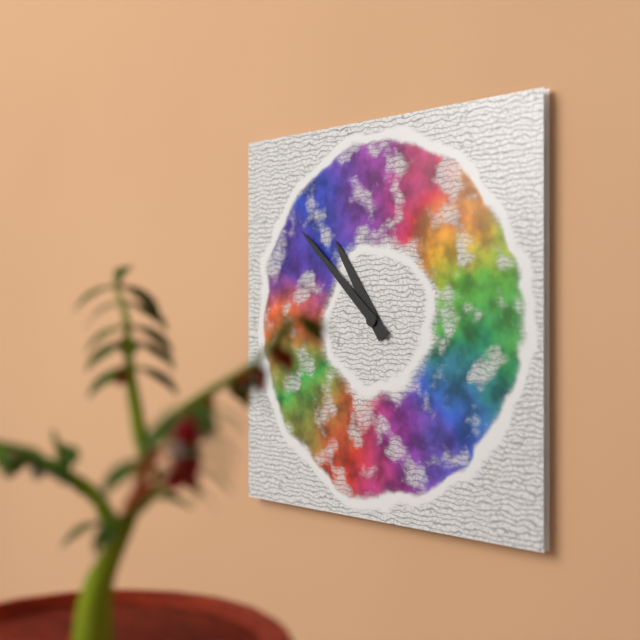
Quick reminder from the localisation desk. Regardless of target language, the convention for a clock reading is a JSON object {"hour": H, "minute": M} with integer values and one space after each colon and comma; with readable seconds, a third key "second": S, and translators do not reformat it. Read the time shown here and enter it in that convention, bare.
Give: {"hour": 10, "minute": 52}
